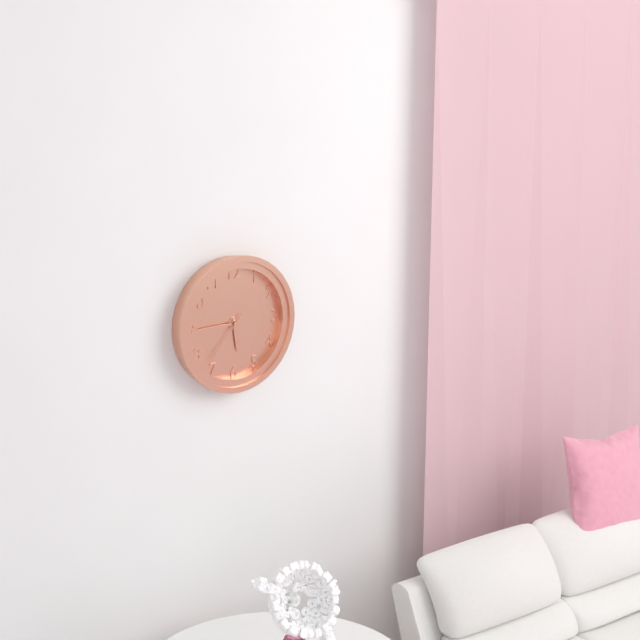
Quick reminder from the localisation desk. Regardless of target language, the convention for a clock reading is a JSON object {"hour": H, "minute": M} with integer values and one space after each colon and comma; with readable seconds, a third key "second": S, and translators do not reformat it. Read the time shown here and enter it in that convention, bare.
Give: {"hour": 5, "minute": 45, "second": 37}
